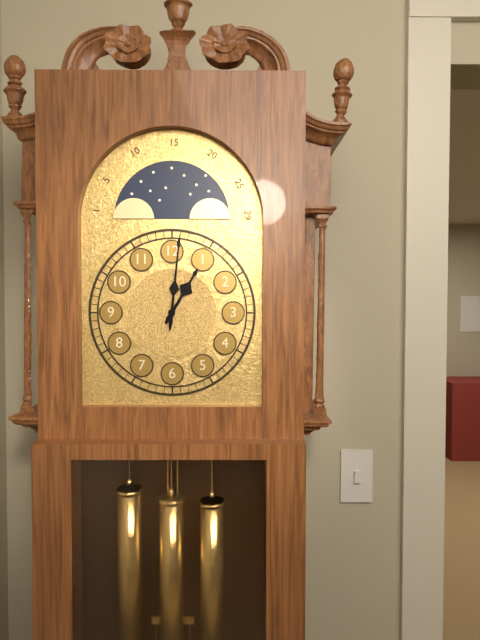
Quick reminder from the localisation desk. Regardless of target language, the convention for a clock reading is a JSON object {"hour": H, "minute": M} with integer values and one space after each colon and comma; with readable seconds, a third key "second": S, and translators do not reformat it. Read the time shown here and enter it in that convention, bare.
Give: {"hour": 1, "minute": 1}
